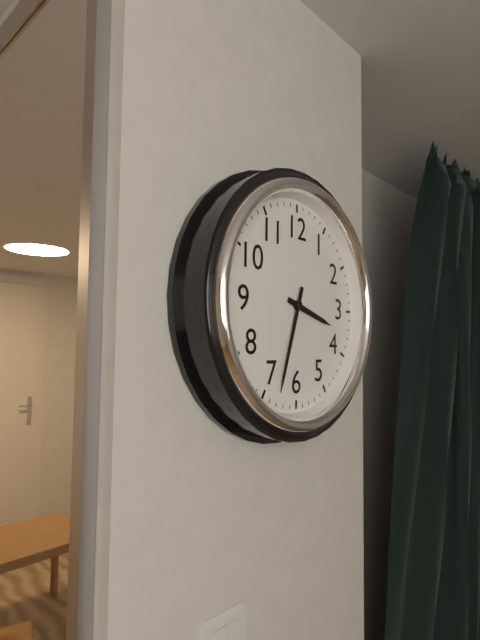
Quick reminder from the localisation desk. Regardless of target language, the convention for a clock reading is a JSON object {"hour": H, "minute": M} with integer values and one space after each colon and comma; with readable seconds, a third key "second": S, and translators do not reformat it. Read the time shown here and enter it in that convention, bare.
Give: {"hour": 3, "minute": 33}
